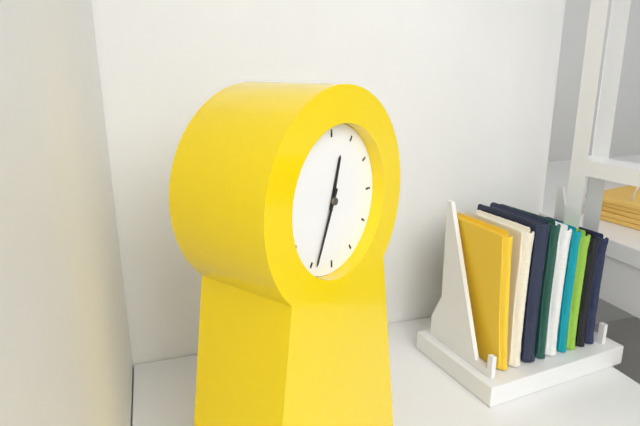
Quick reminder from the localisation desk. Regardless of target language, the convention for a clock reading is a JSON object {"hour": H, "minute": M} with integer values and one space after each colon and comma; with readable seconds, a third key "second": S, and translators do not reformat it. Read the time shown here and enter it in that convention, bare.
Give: {"hour": 12, "minute": 34}
